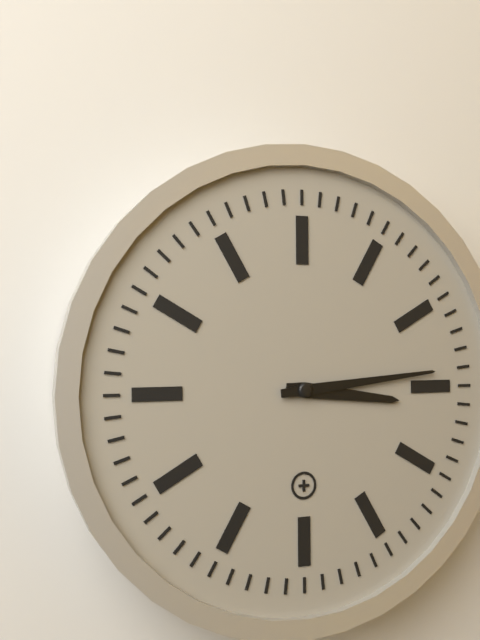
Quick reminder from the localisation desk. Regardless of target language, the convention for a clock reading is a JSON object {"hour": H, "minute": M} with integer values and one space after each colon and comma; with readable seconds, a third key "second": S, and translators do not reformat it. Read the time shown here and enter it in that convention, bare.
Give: {"hour": 3, "minute": 14}
